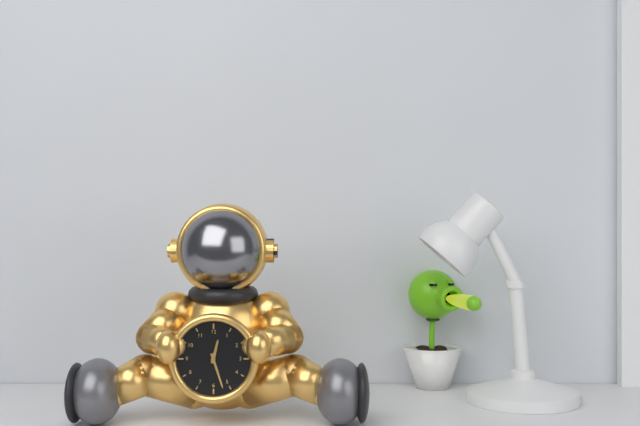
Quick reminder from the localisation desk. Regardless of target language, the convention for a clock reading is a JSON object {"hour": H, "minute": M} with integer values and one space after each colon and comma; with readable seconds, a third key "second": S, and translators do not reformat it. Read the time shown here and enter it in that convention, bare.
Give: {"hour": 12, "minute": 27}
